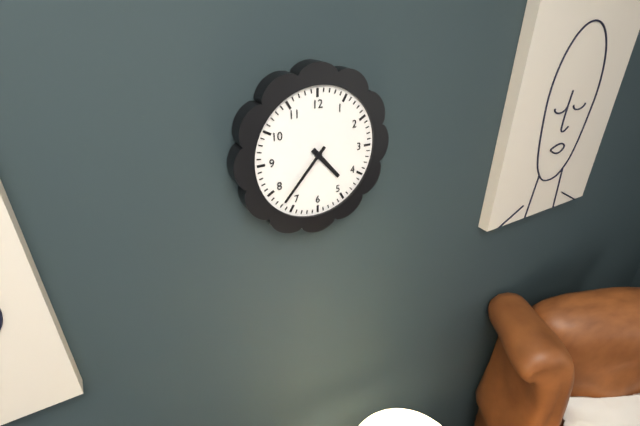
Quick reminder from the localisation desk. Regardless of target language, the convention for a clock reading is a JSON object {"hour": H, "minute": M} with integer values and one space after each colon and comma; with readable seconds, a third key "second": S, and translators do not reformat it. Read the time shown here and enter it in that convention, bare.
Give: {"hour": 4, "minute": 37}
